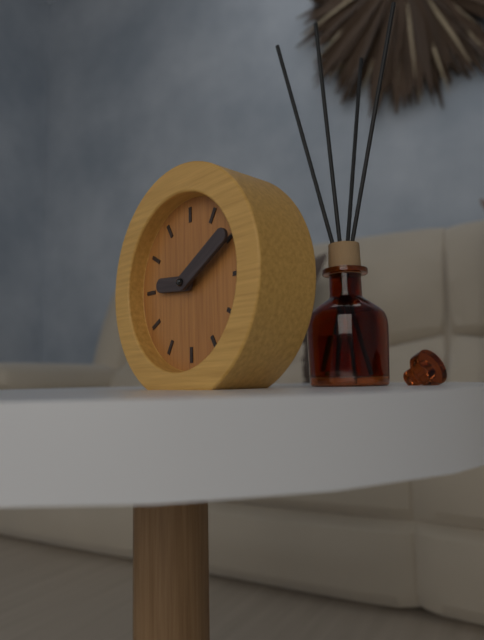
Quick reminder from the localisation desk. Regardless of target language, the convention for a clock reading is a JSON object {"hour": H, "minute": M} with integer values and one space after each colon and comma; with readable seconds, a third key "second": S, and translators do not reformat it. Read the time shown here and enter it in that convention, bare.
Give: {"hour": 9, "minute": 10}
